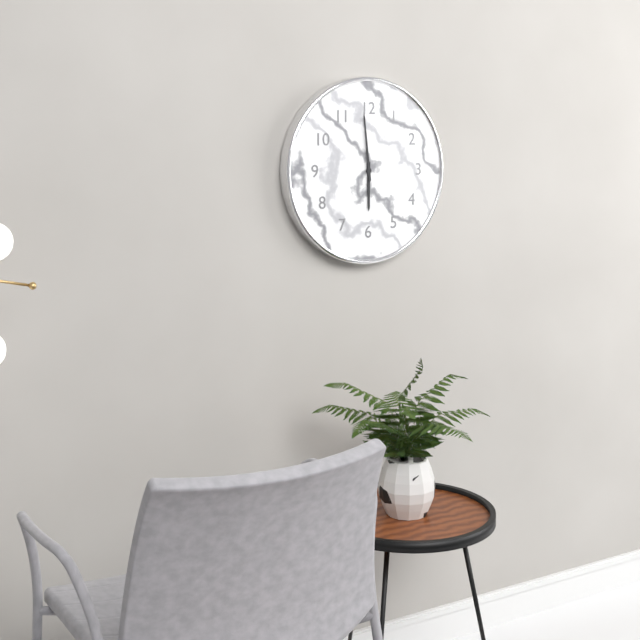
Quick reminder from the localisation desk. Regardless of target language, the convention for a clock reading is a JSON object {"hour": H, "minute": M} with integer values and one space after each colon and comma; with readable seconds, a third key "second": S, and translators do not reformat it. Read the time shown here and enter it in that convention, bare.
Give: {"hour": 5, "minute": 59}
